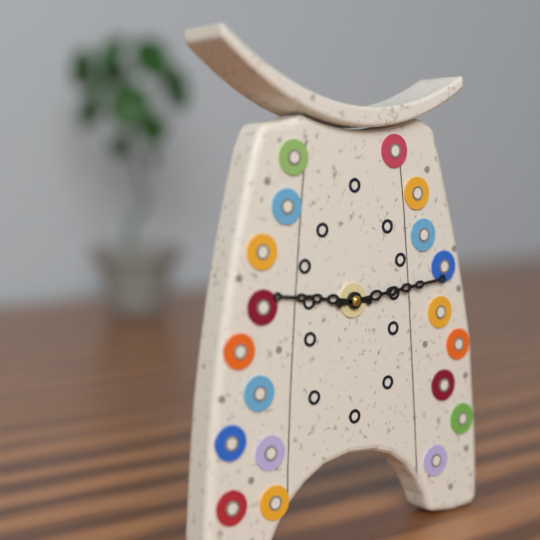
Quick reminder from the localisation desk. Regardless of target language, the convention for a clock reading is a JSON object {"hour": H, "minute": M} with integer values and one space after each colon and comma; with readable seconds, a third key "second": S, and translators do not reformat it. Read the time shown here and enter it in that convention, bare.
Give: {"hour": 9, "minute": 14}
